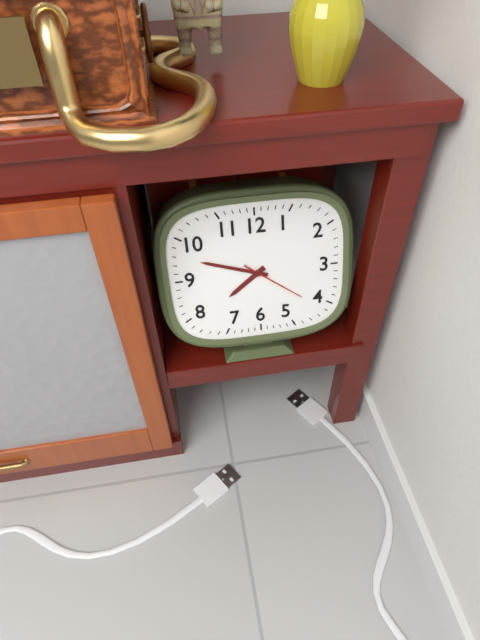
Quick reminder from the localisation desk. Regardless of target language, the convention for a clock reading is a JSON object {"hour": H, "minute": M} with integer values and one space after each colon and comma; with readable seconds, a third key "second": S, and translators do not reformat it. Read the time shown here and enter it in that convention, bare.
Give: {"hour": 7, "minute": 48, "second": 21}
